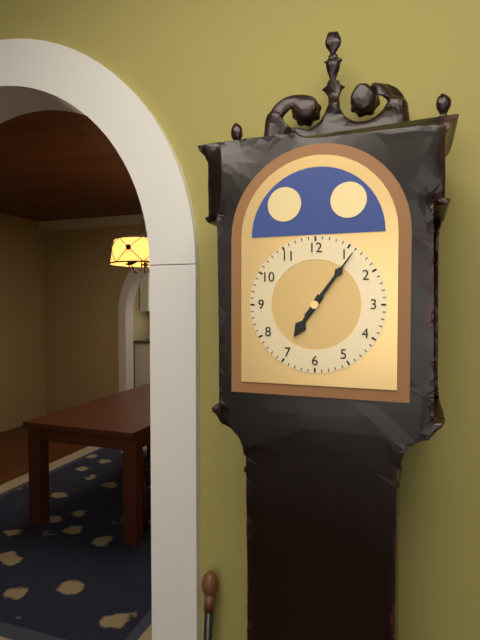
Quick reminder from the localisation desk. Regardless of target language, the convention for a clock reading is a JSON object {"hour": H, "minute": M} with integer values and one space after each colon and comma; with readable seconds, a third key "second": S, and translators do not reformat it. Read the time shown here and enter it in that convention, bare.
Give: {"hour": 7, "minute": 6}
